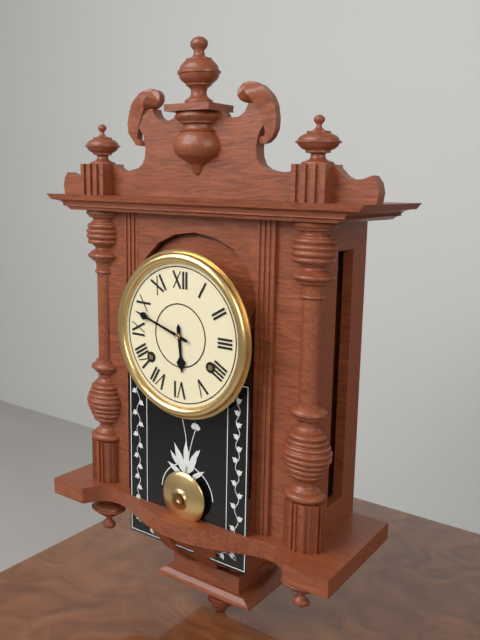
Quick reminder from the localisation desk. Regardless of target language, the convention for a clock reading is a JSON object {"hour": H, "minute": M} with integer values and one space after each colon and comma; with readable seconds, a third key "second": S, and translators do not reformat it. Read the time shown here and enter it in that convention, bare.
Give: {"hour": 5, "minute": 48}
